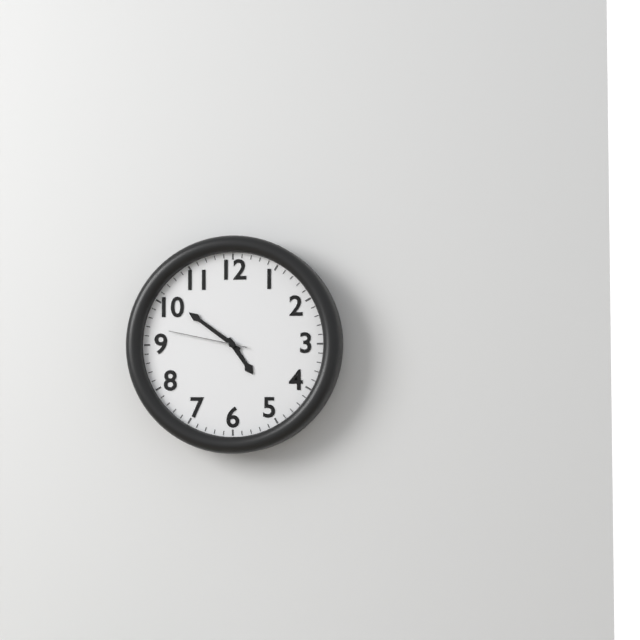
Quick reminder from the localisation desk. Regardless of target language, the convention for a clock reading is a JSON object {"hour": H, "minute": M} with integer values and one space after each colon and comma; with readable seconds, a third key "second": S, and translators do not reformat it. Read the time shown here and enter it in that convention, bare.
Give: {"hour": 4, "minute": 51, "second": 47}
